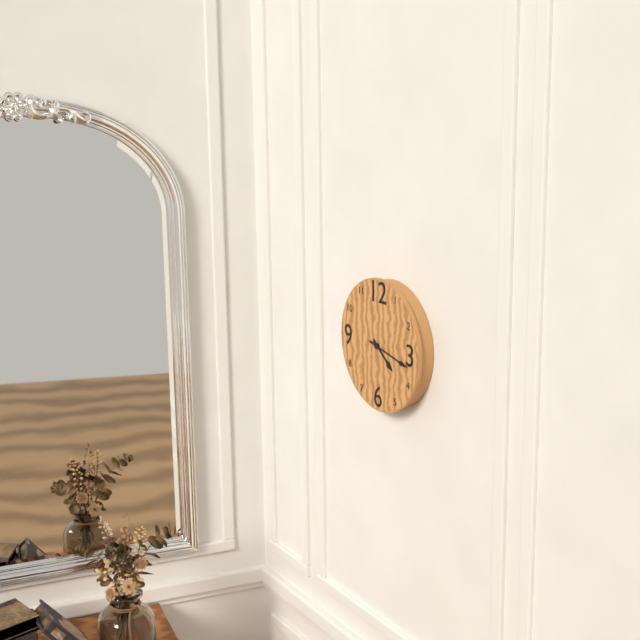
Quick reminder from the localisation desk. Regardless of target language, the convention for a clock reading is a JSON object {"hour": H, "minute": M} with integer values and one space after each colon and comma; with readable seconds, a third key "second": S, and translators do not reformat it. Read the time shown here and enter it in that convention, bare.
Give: {"hour": 4, "minute": 17}
